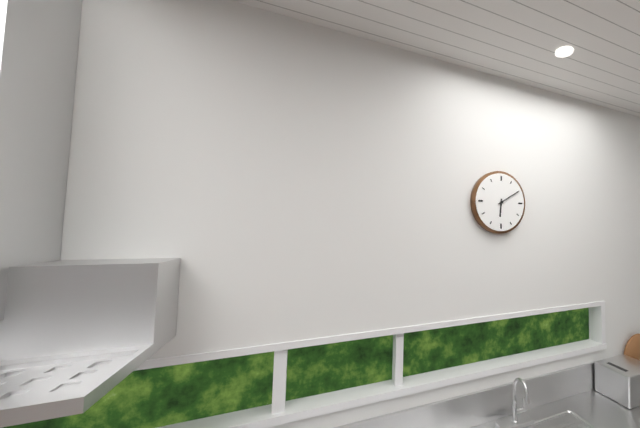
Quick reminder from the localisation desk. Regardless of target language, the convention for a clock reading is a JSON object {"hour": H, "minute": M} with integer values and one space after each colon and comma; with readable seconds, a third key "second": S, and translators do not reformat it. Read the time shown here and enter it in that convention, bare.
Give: {"hour": 6, "minute": 10}
